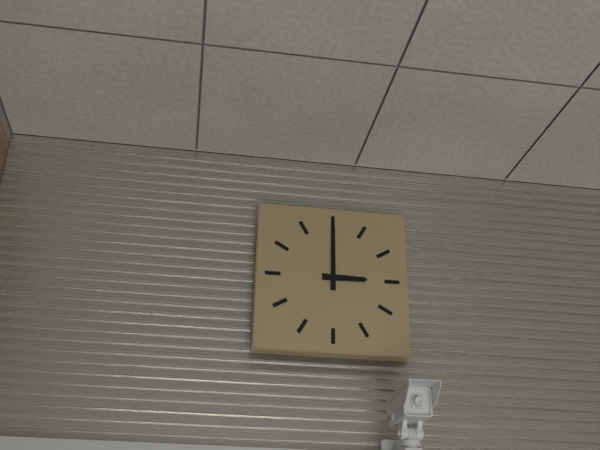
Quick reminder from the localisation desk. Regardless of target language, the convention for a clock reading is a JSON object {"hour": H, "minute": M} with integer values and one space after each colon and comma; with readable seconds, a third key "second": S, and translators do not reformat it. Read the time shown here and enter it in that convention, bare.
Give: {"hour": 3, "minute": 0}
